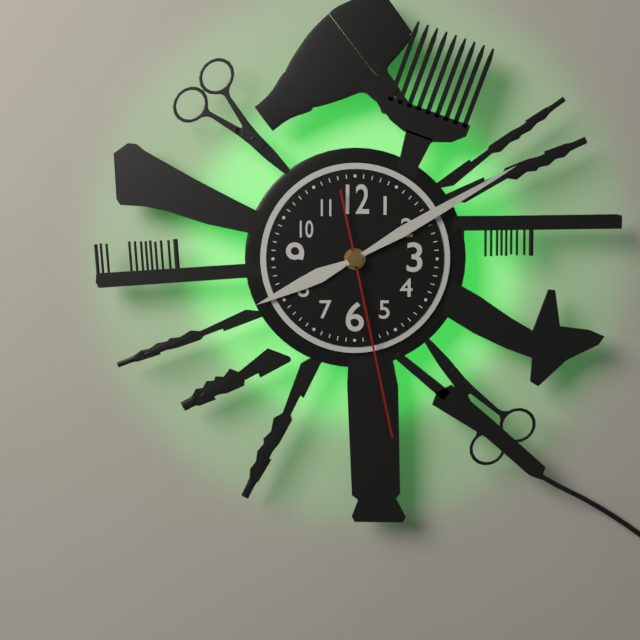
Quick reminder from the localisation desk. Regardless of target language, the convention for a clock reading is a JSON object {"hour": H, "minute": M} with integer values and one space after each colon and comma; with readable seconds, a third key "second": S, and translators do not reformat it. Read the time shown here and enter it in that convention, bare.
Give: {"hour": 8, "minute": 10, "second": 28}
